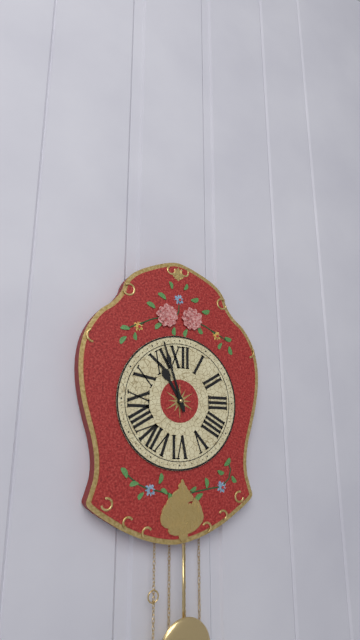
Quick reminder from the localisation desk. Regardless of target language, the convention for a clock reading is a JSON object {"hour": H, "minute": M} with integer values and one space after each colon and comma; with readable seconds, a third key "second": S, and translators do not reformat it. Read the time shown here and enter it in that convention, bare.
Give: {"hour": 10, "minute": 57}
